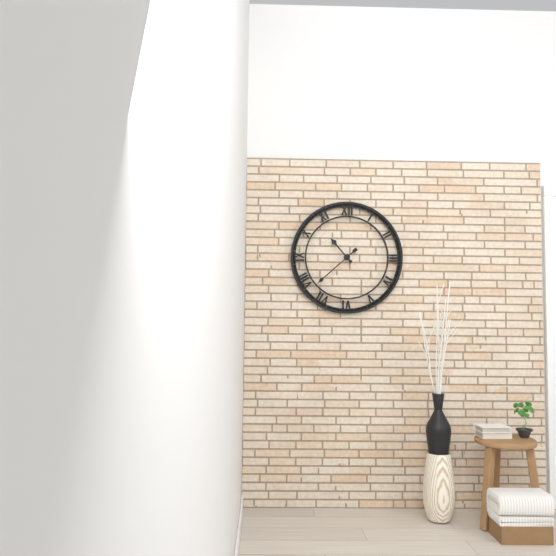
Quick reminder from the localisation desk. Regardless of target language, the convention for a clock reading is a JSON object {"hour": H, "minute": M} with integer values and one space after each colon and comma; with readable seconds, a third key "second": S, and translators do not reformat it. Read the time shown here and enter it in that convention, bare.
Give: {"hour": 10, "minute": 38}
